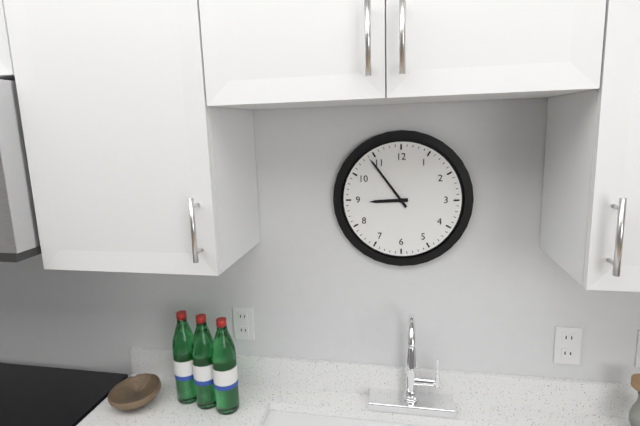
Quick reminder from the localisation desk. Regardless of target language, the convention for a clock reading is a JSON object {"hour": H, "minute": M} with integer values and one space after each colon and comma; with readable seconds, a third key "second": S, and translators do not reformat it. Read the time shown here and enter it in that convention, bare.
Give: {"hour": 8, "minute": 54}
